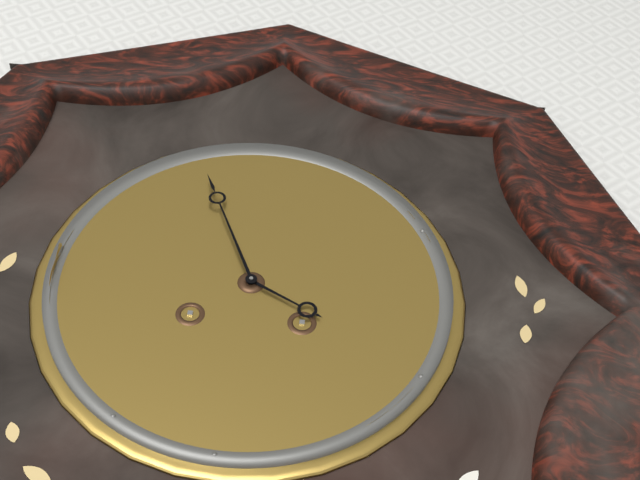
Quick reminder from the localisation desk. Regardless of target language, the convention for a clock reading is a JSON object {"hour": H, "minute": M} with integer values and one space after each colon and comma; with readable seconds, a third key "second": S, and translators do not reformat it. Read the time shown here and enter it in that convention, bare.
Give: {"hour": 3, "minute": 56}
